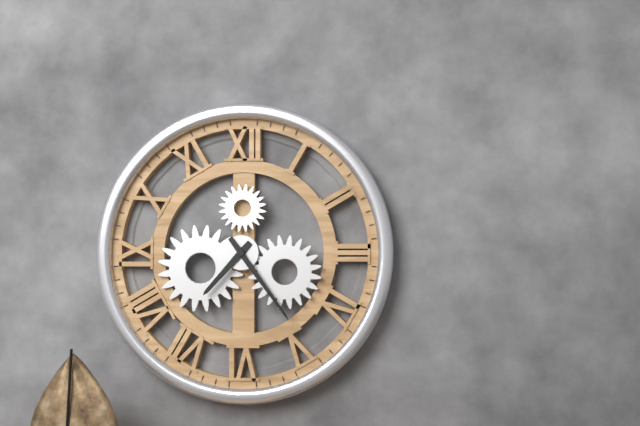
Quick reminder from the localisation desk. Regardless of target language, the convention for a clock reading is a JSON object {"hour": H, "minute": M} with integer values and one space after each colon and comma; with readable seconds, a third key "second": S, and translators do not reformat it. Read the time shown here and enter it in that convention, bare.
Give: {"hour": 7, "minute": 24}
